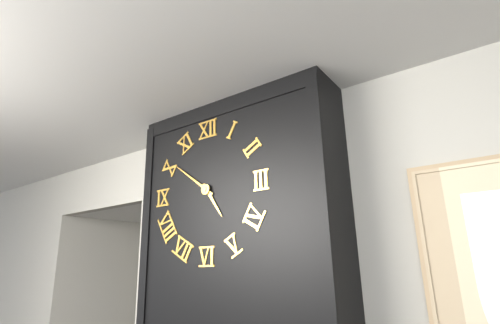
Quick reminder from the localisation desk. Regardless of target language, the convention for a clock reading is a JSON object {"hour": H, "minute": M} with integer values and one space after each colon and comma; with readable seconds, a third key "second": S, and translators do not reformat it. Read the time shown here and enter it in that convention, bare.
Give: {"hour": 4, "minute": 51}
